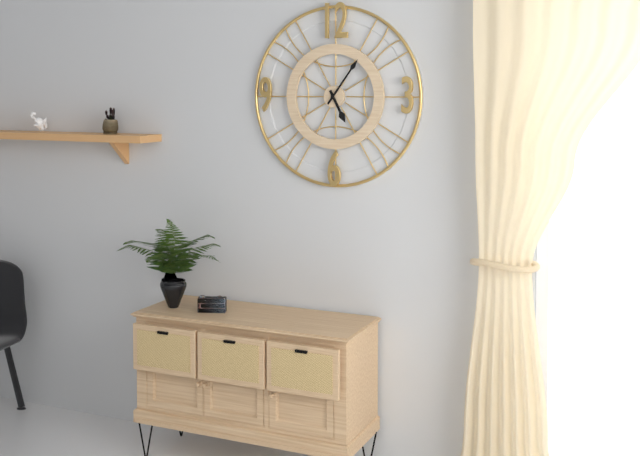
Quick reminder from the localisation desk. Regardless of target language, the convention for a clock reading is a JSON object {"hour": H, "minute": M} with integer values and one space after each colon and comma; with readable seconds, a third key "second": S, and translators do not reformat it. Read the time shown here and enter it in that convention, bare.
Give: {"hour": 5, "minute": 6}
